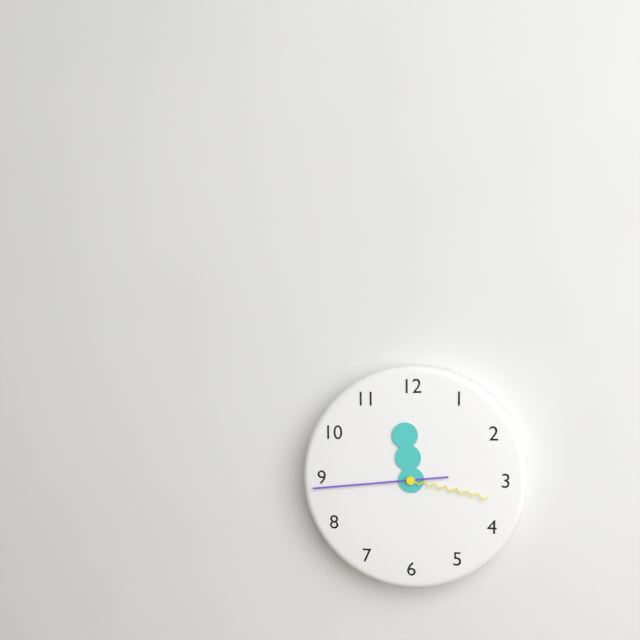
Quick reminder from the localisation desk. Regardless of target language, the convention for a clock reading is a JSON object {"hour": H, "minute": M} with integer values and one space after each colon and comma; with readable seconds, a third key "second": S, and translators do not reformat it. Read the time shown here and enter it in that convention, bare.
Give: {"hour": 11, "minute": 44, "second": 17}
